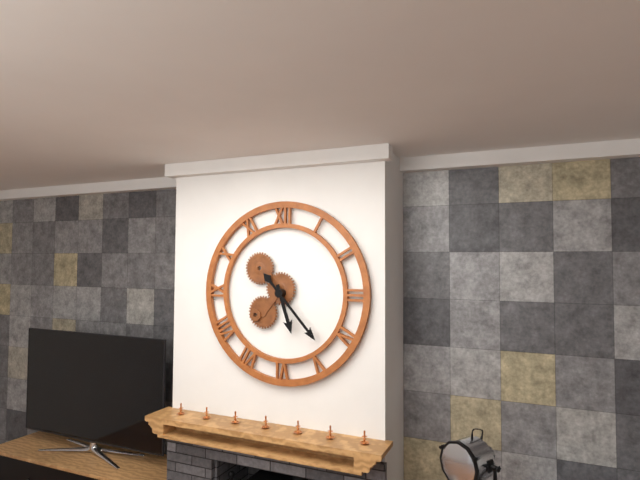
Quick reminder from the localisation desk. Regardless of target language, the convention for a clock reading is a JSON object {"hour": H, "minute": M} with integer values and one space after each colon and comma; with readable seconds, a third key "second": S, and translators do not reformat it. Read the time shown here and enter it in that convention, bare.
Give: {"hour": 5, "minute": 23}
